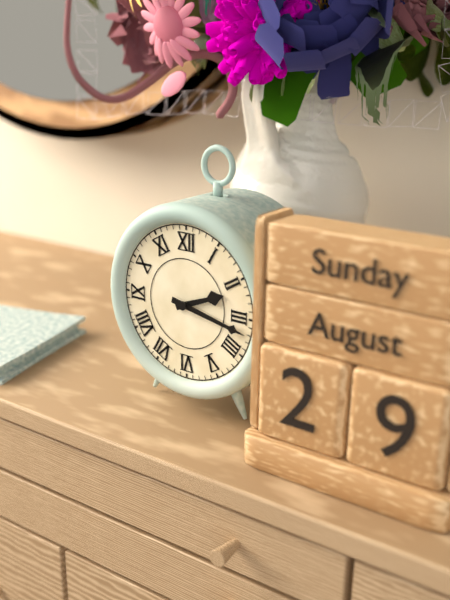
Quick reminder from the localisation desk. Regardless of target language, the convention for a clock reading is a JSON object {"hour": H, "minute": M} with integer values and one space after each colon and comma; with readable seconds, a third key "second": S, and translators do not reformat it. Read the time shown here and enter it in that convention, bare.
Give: {"hour": 2, "minute": 17}
